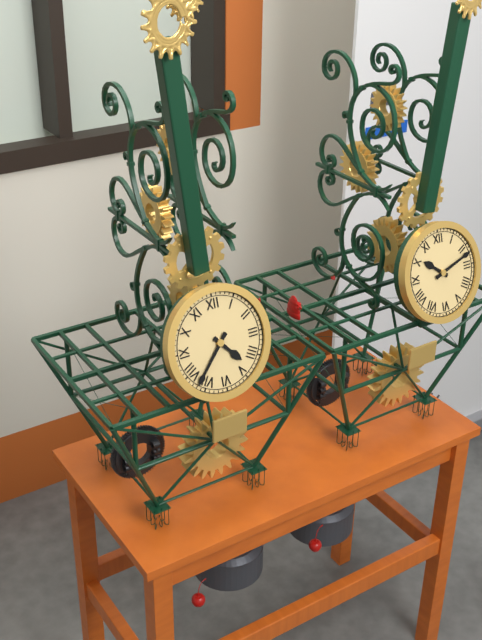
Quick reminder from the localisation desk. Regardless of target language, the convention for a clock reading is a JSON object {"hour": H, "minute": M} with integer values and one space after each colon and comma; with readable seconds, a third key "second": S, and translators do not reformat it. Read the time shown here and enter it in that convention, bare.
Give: {"hour": 4, "minute": 37}
